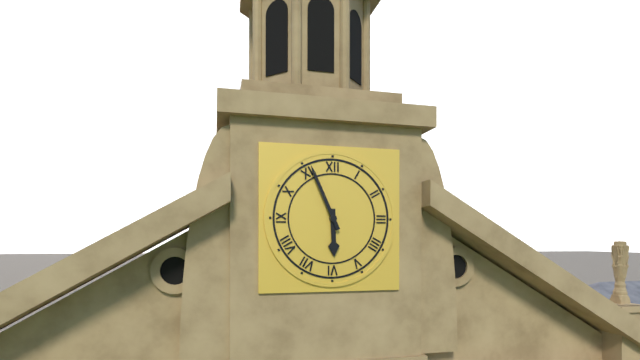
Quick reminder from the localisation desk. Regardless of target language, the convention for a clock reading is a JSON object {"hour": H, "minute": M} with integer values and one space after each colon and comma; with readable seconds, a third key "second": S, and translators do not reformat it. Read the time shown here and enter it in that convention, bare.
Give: {"hour": 5, "minute": 56}
